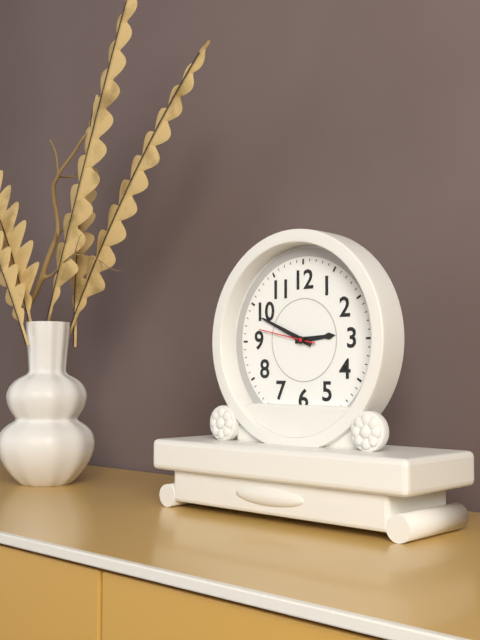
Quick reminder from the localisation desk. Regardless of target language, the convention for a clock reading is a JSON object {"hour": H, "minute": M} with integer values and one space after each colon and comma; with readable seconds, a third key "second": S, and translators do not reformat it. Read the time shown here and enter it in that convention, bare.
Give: {"hour": 2, "minute": 49, "second": 47}
